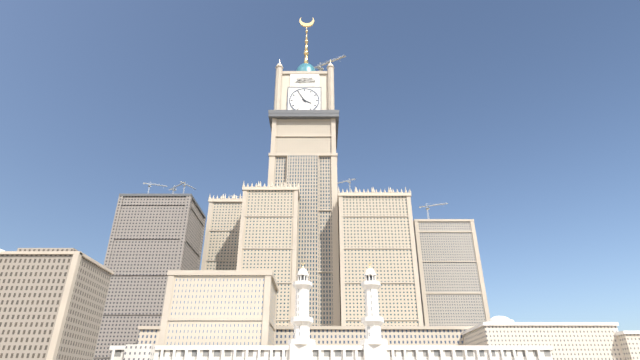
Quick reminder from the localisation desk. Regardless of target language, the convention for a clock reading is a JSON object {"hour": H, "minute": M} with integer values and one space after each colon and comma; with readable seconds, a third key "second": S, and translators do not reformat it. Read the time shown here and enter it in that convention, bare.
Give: {"hour": 3, "minute": 55}
